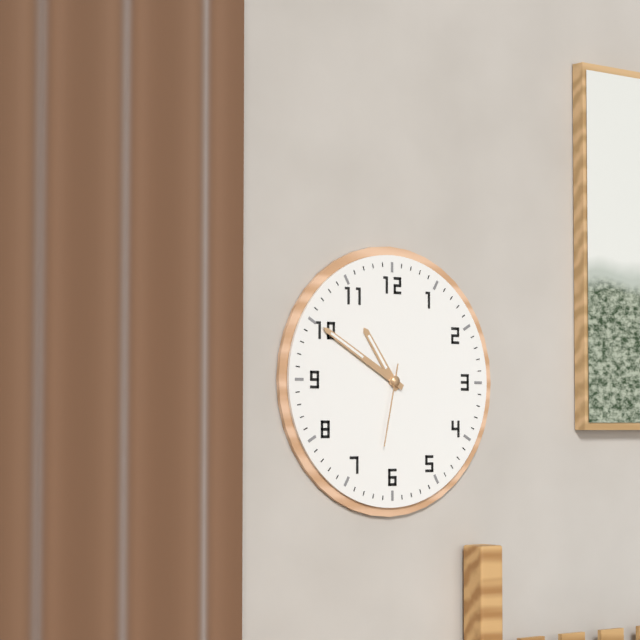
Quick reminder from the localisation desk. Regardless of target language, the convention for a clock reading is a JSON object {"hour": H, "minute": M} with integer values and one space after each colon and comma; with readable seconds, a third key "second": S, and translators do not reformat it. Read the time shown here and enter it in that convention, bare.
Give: {"hour": 10, "minute": 50, "second": 32}
